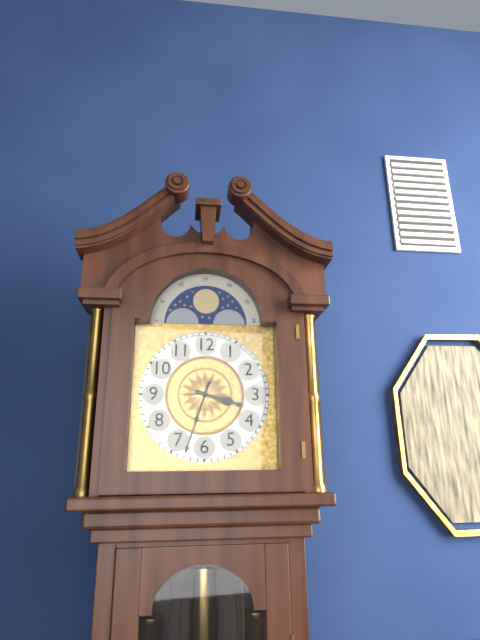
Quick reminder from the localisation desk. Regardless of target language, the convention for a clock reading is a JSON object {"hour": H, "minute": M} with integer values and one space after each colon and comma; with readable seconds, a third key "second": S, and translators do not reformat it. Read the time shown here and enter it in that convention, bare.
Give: {"hour": 3, "minute": 33}
